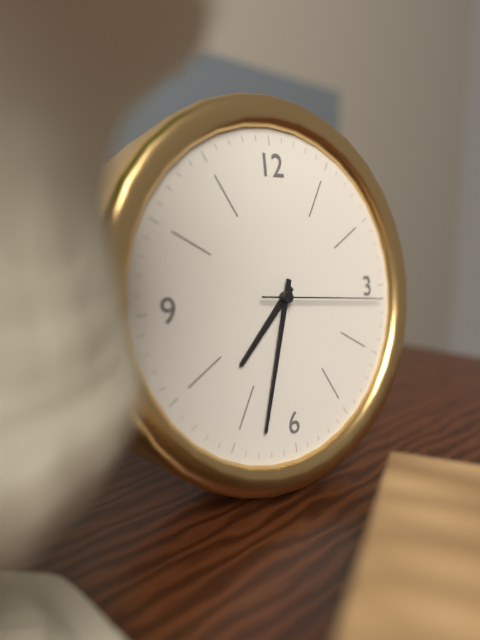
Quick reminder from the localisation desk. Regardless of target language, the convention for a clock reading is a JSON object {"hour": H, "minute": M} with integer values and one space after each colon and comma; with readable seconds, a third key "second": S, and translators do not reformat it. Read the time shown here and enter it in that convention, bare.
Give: {"hour": 7, "minute": 33, "second": 16}
